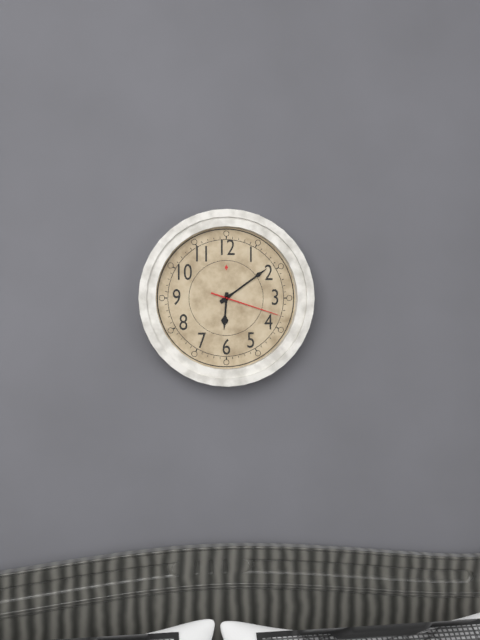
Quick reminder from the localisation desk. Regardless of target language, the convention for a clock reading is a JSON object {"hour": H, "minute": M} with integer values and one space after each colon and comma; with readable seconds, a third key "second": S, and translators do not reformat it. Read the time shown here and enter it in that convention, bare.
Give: {"hour": 6, "minute": 9, "second": 18}
